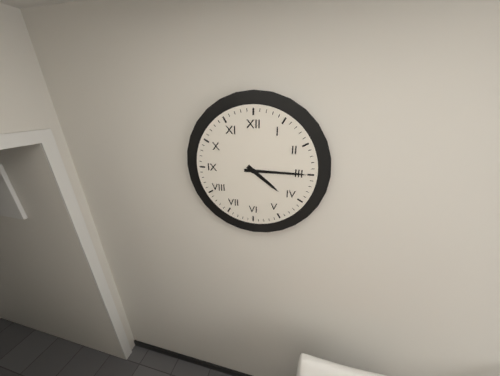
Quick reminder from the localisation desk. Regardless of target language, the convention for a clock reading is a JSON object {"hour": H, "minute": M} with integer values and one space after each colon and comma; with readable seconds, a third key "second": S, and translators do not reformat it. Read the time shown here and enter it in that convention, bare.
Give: {"hour": 4, "minute": 15}
